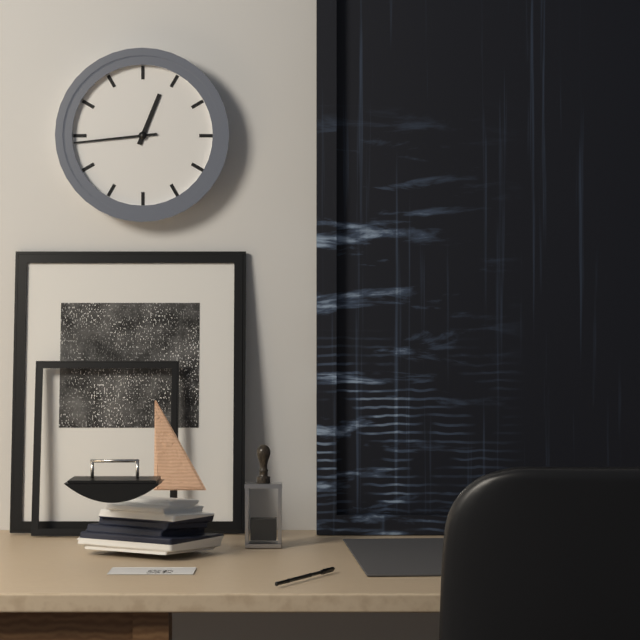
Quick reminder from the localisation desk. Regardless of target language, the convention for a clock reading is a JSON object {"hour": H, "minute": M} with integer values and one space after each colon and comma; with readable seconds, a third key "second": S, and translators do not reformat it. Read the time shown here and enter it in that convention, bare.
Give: {"hour": 12, "minute": 44}
